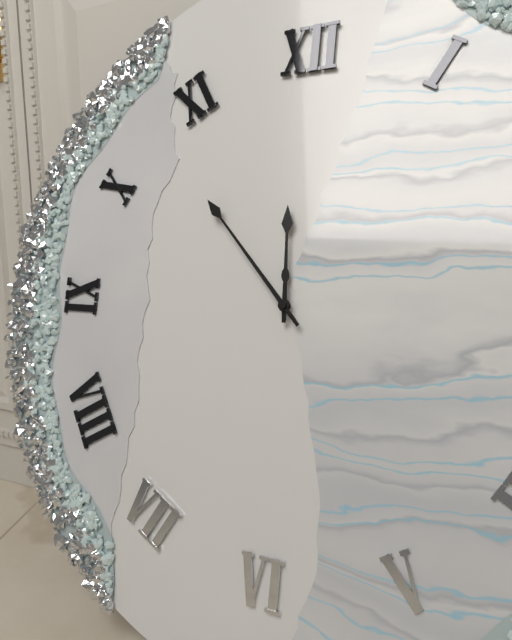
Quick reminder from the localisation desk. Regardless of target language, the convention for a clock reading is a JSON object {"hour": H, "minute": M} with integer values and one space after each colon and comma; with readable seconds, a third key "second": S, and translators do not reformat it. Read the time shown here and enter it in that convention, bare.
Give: {"hour": 11, "minute": 53}
